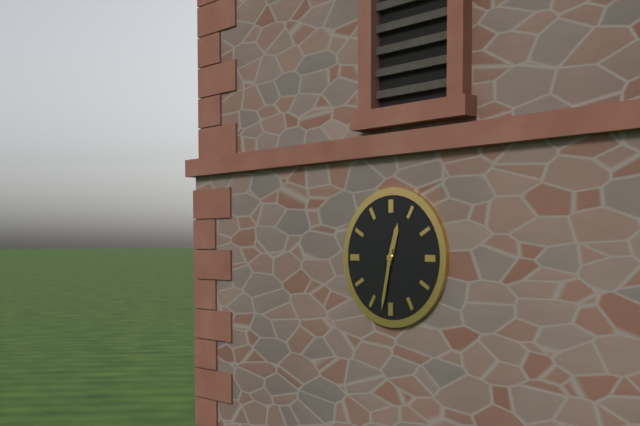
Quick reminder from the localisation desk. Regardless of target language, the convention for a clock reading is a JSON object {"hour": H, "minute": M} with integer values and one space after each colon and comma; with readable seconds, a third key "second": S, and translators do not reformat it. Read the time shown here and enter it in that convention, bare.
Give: {"hour": 12, "minute": 32}
